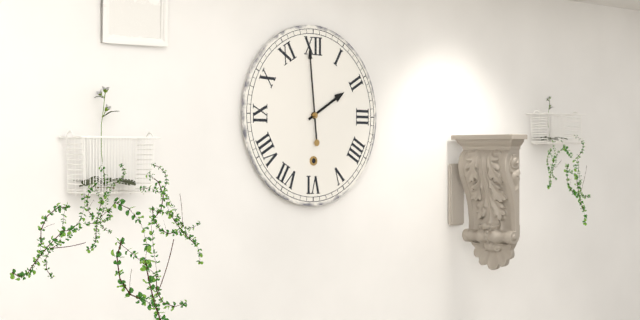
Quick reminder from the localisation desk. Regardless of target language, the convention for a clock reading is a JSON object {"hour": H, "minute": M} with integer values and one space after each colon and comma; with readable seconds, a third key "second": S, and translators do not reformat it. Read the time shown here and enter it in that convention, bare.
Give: {"hour": 1, "minute": 59}
